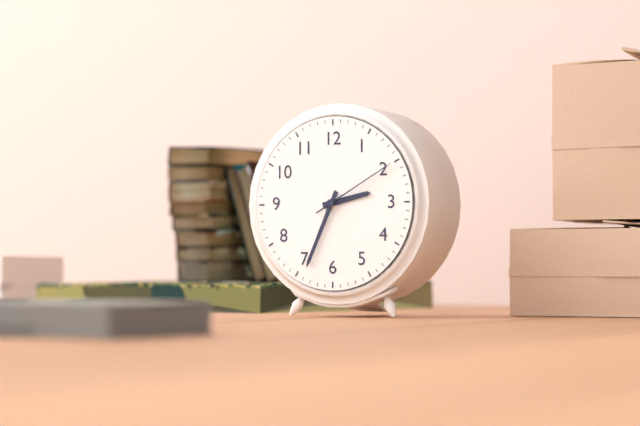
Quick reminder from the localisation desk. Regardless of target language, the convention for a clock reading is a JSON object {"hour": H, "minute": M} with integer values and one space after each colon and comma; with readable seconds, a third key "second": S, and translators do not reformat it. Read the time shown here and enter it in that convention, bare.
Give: {"hour": 2, "minute": 34, "second": 10}
